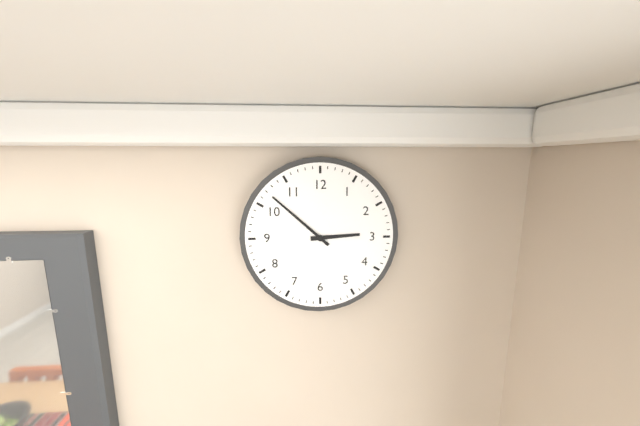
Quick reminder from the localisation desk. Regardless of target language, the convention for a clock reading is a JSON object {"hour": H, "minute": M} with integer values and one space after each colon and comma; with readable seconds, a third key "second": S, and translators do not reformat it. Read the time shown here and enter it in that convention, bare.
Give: {"hour": 2, "minute": 52}
